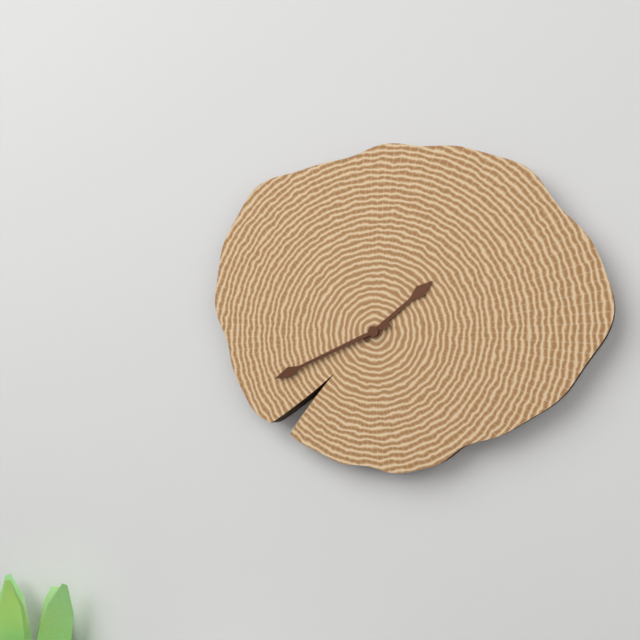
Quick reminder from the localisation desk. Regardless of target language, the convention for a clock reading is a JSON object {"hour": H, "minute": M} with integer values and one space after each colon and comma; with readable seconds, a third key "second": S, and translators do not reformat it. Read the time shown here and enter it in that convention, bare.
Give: {"hour": 1, "minute": 41}
